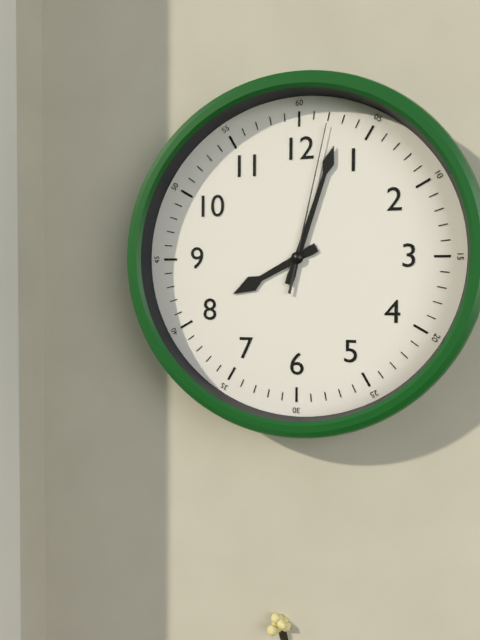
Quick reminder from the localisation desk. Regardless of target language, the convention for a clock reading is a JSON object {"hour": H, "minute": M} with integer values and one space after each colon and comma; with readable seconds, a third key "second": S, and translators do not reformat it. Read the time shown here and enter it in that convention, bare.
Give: {"hour": 8, "minute": 3, "second": 2}
